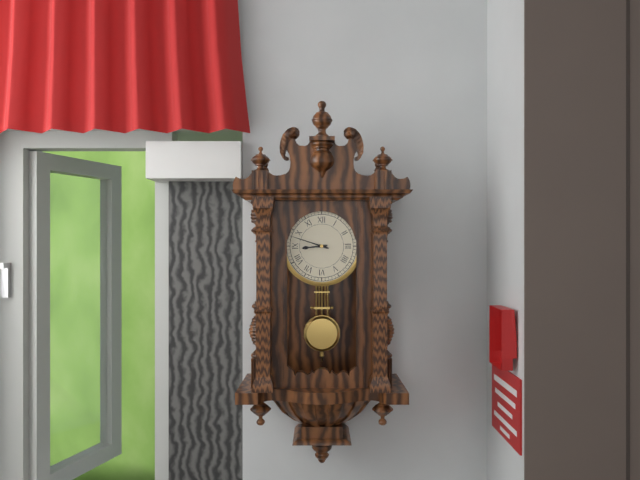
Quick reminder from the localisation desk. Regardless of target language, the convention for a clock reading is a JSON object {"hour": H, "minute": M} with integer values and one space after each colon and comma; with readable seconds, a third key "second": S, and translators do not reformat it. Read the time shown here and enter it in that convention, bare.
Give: {"hour": 8, "minute": 48}
